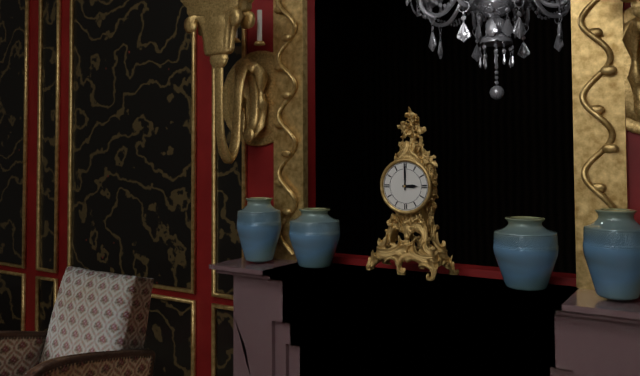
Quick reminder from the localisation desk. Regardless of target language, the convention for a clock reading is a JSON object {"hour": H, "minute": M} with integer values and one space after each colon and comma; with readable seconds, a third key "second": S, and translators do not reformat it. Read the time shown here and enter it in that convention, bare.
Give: {"hour": 3, "minute": 0}
